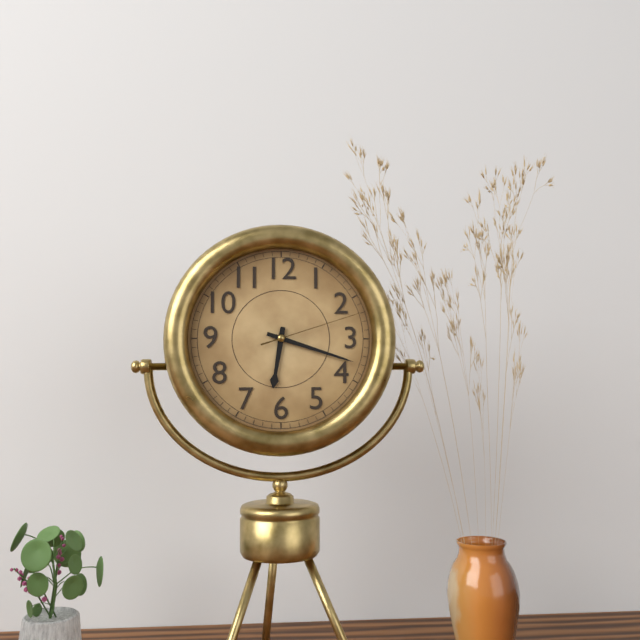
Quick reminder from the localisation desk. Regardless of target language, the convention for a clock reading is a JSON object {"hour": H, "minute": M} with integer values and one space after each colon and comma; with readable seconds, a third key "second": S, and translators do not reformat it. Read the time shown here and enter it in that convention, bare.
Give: {"hour": 6, "minute": 18, "second": 12}
